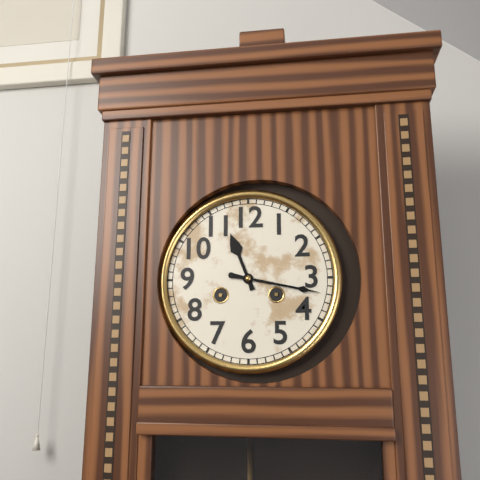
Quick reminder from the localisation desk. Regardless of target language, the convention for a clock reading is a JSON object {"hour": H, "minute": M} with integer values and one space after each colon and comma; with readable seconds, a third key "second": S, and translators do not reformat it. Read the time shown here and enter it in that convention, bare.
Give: {"hour": 11, "minute": 17}
